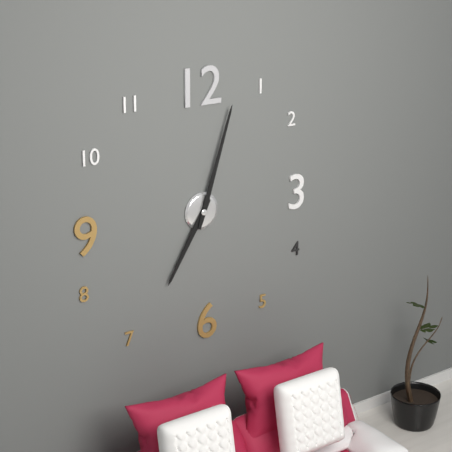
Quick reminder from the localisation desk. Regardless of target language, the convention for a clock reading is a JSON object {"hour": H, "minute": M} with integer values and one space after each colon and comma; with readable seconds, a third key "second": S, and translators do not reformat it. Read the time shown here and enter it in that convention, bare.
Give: {"hour": 7, "minute": 3}
